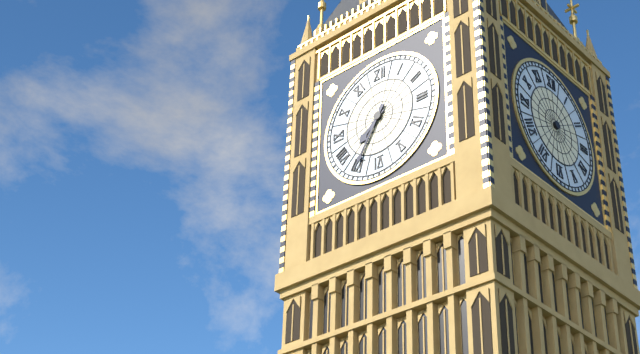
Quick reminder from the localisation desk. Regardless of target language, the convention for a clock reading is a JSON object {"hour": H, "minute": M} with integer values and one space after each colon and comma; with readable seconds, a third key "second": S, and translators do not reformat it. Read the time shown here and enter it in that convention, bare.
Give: {"hour": 7, "minute": 35}
